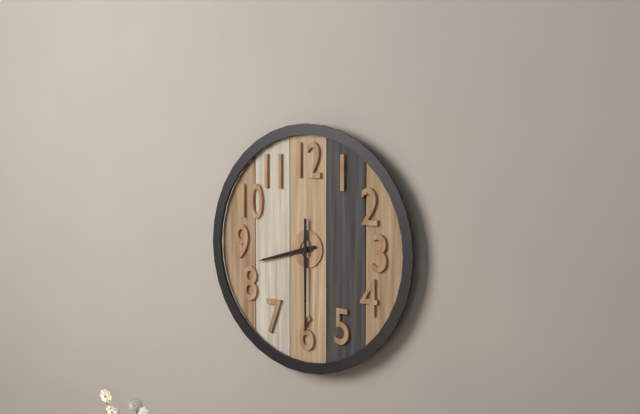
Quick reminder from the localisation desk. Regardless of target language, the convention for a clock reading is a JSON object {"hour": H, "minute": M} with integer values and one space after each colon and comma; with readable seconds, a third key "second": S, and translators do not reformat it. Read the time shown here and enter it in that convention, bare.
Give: {"hour": 8, "minute": 30}
